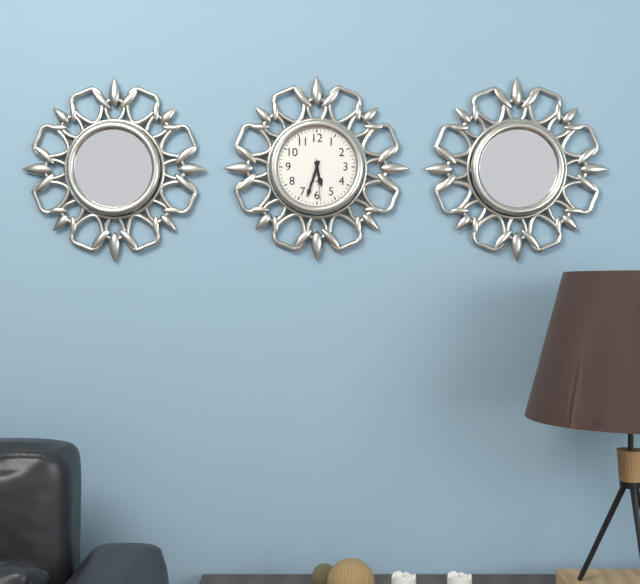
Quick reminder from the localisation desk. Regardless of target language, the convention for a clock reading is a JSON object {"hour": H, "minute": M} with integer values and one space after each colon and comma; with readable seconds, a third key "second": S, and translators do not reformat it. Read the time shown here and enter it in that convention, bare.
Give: {"hour": 5, "minute": 33}
